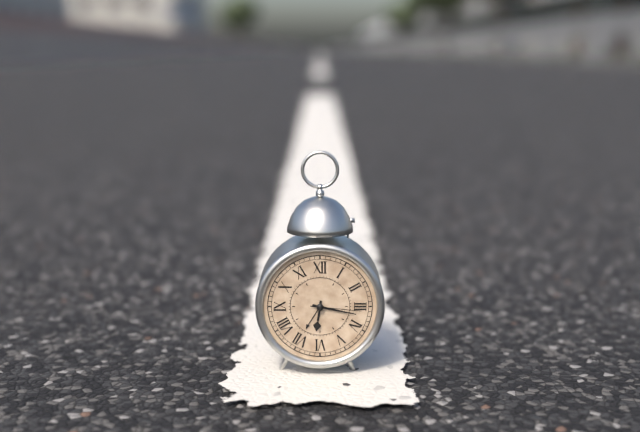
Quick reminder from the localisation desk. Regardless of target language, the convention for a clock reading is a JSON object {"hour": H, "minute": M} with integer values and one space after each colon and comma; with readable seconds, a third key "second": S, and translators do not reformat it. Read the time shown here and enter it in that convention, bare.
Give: {"hour": 6, "minute": 17, "second": 16}
